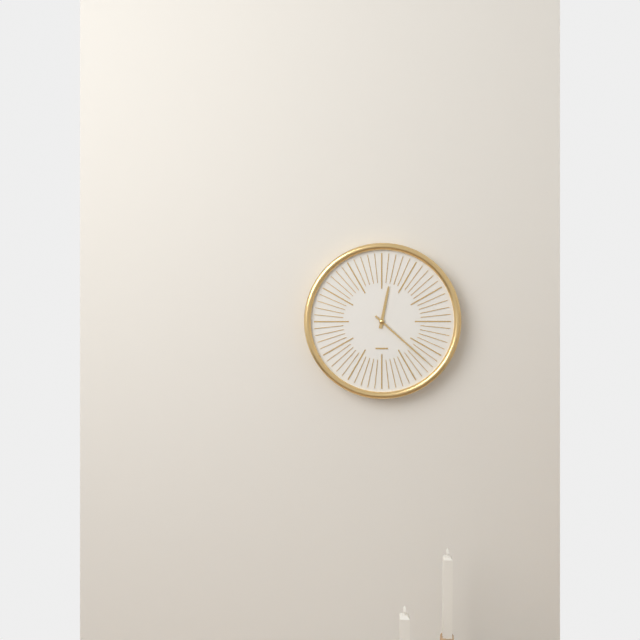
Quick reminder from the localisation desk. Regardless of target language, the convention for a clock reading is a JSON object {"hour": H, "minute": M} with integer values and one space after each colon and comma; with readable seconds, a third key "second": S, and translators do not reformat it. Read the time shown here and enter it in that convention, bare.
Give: {"hour": 12, "minute": 22}
